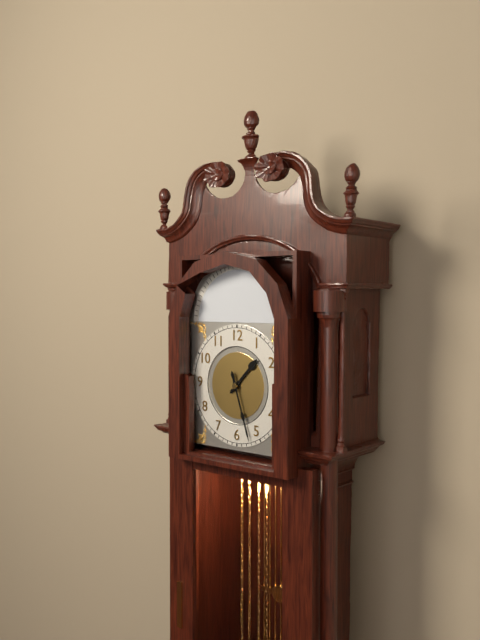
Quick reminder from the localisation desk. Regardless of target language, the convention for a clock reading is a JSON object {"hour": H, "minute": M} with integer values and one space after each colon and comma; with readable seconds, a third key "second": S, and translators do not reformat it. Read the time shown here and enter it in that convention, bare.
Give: {"hour": 1, "minute": 27}
